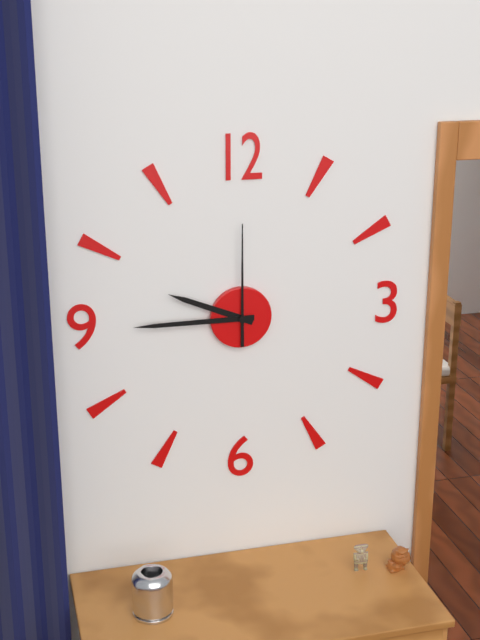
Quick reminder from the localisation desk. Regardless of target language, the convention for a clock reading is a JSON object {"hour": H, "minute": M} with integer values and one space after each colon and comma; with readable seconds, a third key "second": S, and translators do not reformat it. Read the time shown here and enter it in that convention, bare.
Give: {"hour": 9, "minute": 45, "second": 0}
